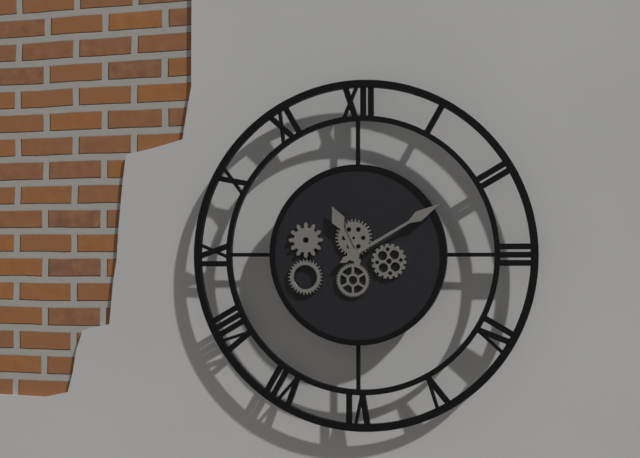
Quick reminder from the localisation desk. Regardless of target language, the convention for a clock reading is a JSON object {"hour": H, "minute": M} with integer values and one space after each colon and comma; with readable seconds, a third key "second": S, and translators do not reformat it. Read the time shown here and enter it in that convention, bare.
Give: {"hour": 11, "minute": 10}
